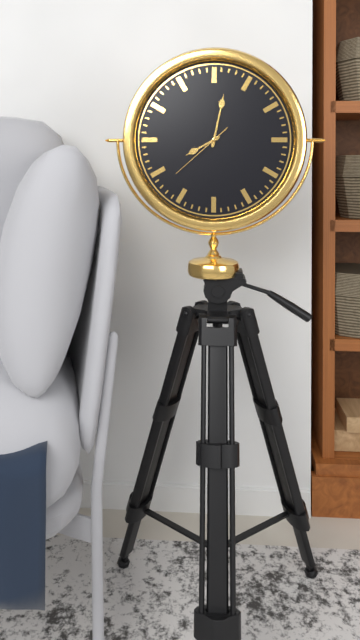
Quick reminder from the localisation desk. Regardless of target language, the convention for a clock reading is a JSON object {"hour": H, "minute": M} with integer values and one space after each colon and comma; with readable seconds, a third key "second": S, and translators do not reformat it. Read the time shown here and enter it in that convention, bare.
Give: {"hour": 8, "minute": 2, "second": 38}
